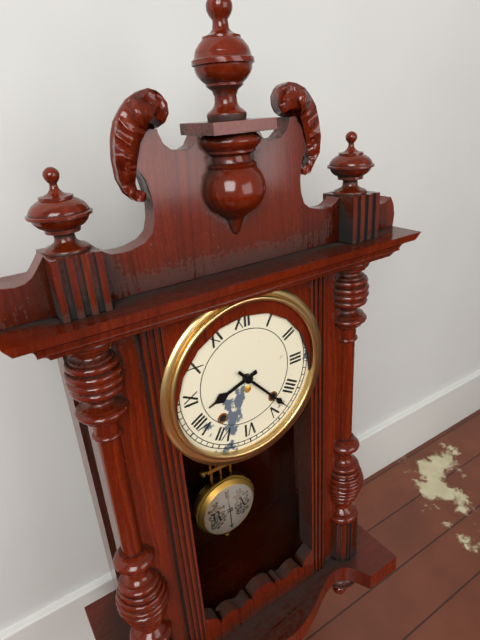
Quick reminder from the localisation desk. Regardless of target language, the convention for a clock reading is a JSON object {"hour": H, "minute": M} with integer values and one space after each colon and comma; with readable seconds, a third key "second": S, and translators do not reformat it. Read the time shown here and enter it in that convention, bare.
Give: {"hour": 8, "minute": 23}
